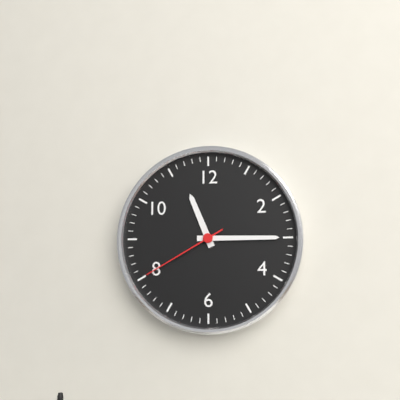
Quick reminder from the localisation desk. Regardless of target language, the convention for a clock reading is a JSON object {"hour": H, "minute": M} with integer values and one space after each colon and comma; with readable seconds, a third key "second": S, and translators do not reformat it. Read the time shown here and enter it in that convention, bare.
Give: {"hour": 11, "minute": 15, "second": 40}
